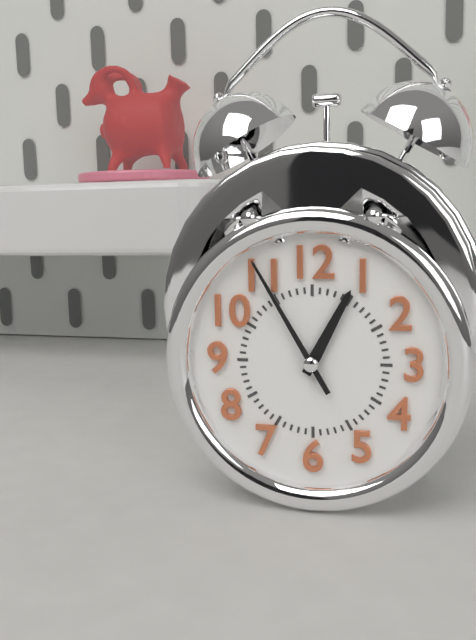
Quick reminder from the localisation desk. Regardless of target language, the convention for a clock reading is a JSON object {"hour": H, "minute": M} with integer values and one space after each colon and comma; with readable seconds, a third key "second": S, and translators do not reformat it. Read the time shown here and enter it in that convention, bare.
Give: {"hour": 12, "minute": 55}
